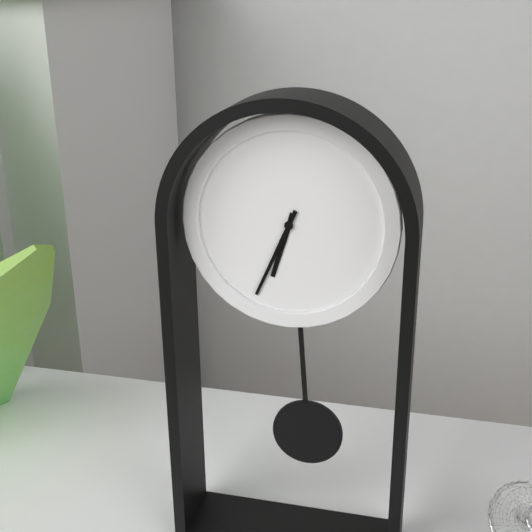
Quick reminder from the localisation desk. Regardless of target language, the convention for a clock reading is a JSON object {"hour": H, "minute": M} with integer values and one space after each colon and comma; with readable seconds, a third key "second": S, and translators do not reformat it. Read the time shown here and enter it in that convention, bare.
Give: {"hour": 6, "minute": 34}
